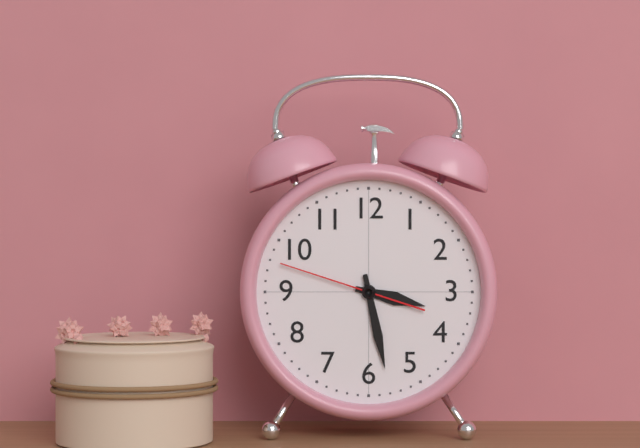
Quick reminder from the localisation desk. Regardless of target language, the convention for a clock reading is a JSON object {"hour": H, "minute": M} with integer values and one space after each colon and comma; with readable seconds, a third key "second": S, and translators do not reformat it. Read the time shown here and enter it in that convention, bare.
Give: {"hour": 3, "minute": 28, "second": 48}
